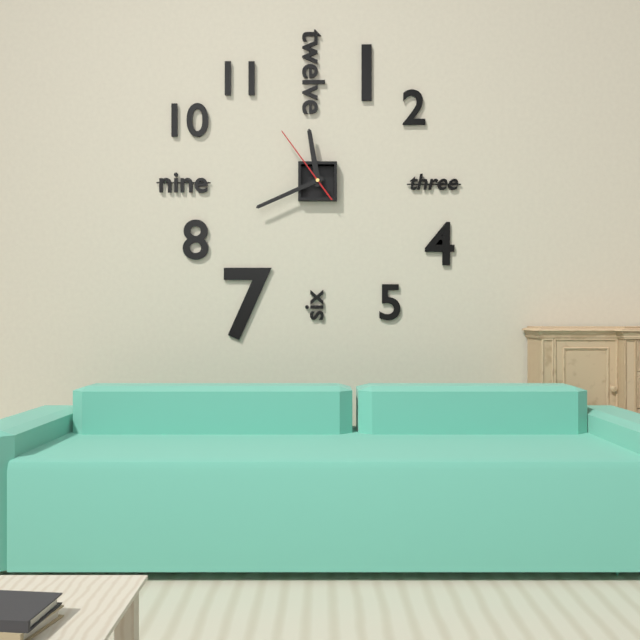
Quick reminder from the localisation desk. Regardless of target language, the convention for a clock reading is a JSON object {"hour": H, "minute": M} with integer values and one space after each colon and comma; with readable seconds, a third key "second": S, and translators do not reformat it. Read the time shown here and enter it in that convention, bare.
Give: {"hour": 11, "minute": 41, "second": 54}
